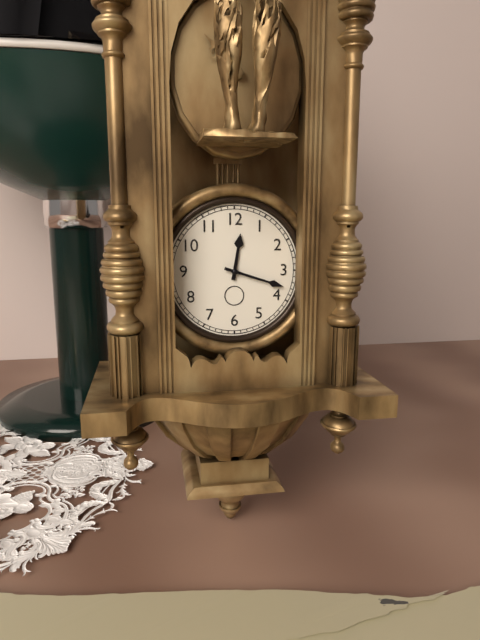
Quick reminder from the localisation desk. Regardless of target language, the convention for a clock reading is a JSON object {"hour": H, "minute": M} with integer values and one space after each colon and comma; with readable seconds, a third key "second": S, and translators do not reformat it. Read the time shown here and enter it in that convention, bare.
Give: {"hour": 12, "minute": 18}
